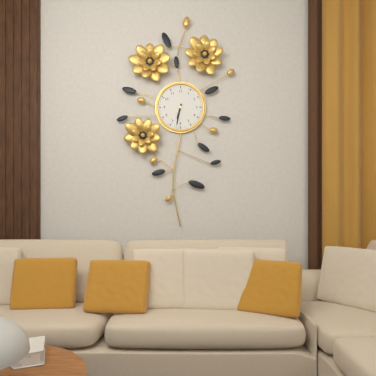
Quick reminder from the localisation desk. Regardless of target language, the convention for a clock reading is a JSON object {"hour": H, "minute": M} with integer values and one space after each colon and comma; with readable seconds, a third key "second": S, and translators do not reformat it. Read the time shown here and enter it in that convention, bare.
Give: {"hour": 6, "minute": 32}
